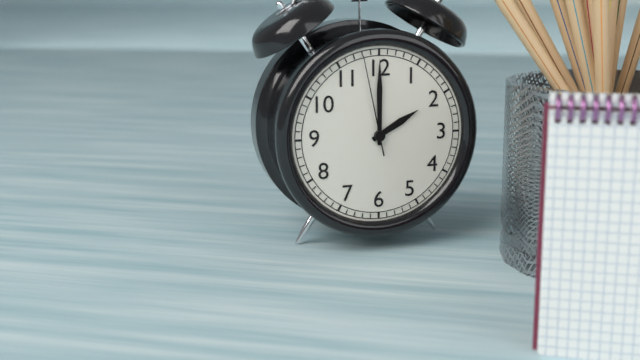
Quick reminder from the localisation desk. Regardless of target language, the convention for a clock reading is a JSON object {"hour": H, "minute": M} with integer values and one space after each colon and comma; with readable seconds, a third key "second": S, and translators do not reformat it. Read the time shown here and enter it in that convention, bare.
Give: {"hour": 2, "minute": 0, "second": 58}
